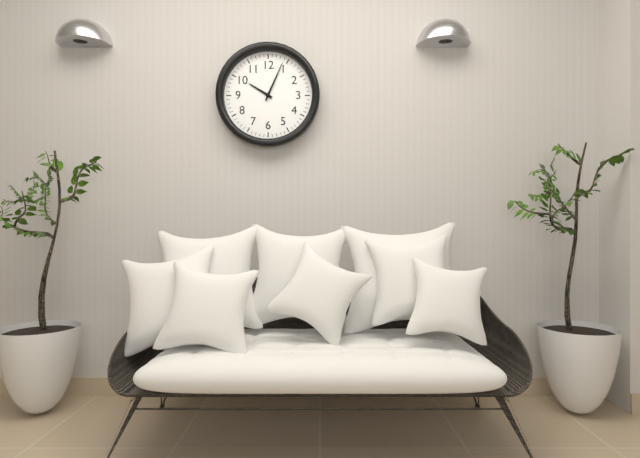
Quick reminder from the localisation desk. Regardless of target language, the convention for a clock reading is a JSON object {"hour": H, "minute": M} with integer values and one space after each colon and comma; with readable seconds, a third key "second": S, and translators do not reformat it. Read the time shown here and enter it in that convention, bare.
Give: {"hour": 10, "minute": 4}
